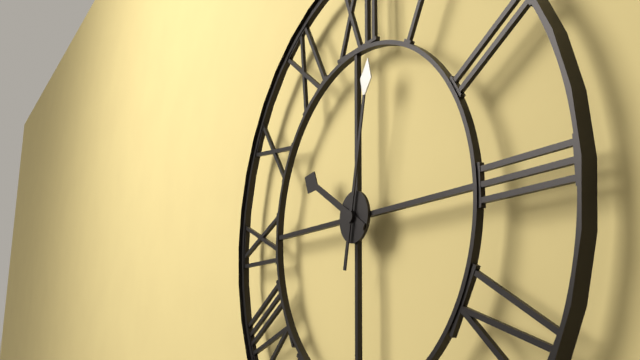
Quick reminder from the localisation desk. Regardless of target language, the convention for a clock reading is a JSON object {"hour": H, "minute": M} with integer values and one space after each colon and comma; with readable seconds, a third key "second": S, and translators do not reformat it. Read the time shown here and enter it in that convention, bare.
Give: {"hour": 10, "minute": 2}
